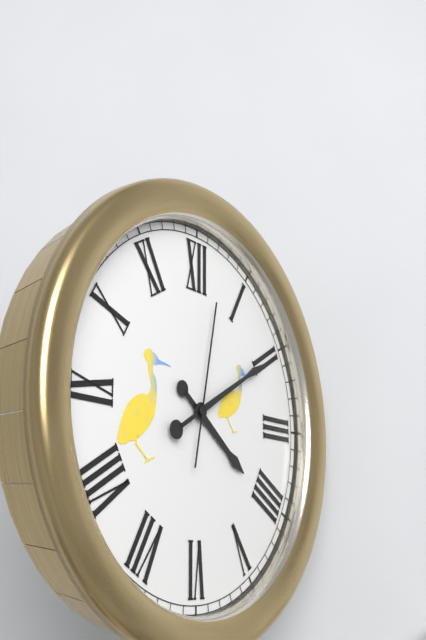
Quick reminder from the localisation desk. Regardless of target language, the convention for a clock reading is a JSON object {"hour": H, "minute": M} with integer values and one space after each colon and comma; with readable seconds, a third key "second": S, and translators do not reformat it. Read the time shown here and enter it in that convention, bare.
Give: {"hour": 4, "minute": 10, "second": 2}
